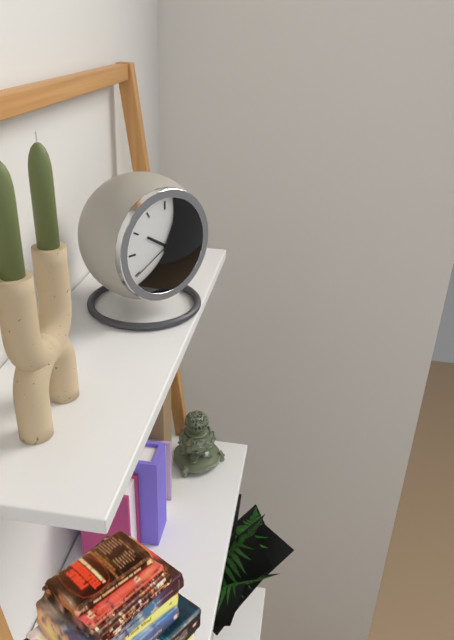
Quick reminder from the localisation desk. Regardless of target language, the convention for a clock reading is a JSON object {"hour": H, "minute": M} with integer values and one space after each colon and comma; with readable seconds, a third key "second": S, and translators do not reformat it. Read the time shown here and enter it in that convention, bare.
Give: {"hour": 10, "minute": 4, "second": 40}
